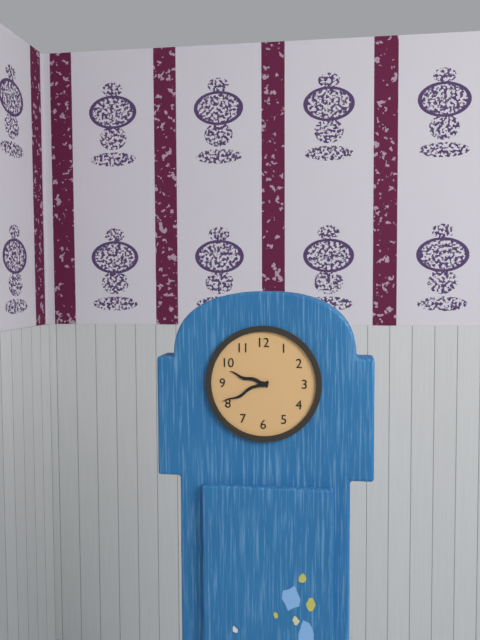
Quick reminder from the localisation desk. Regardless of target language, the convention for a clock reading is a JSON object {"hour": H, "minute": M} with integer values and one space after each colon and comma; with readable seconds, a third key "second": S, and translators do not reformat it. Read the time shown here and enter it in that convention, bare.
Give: {"hour": 9, "minute": 41}
